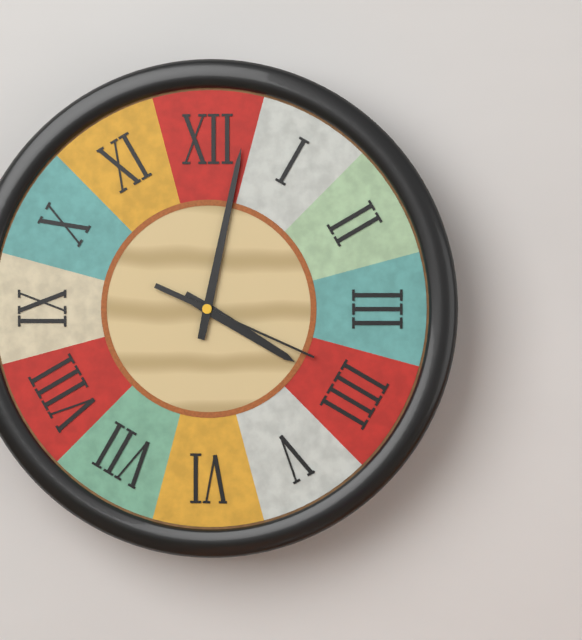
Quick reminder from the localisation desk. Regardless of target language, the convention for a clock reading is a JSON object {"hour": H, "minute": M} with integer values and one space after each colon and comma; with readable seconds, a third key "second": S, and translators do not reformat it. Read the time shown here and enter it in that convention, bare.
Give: {"hour": 4, "minute": 2, "second": 19}
